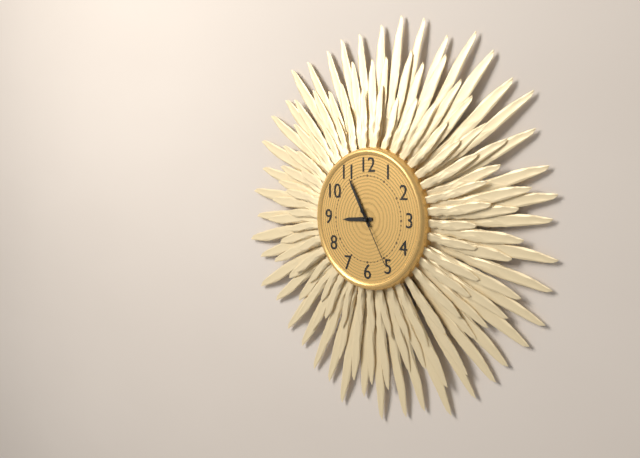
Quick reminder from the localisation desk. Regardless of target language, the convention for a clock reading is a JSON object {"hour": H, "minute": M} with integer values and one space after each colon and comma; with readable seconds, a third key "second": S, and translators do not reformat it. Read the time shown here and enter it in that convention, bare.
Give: {"hour": 8, "minute": 55, "second": 25}
